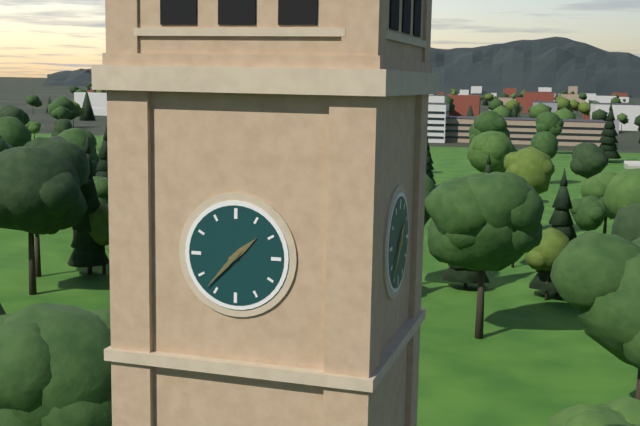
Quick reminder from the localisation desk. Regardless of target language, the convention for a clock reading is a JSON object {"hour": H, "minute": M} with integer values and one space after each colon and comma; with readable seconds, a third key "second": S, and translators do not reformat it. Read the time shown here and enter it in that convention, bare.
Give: {"hour": 1, "minute": 37}
